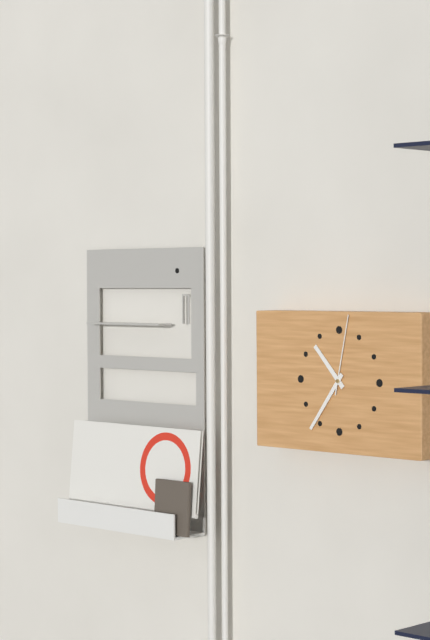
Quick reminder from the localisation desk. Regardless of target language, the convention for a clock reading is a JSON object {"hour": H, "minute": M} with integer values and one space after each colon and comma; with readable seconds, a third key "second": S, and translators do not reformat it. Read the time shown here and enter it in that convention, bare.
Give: {"hour": 10, "minute": 36, "second": 2}
